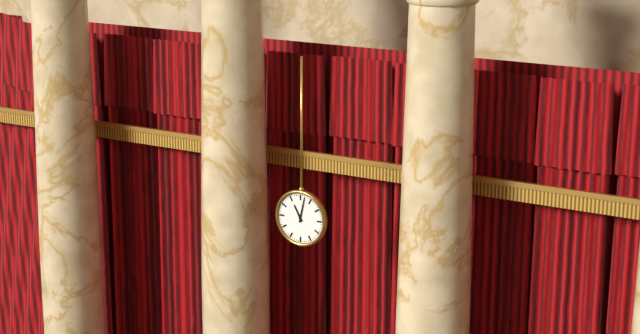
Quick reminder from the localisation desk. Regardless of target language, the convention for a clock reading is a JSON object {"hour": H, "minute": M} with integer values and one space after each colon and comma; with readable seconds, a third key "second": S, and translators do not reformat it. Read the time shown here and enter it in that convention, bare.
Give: {"hour": 11, "minute": 2}
